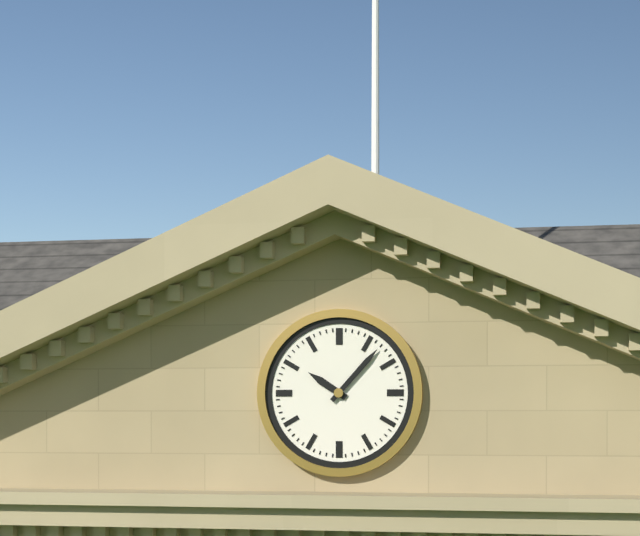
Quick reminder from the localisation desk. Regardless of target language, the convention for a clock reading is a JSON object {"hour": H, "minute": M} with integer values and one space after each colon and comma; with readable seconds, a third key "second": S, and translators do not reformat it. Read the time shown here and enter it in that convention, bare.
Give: {"hour": 10, "minute": 7}
